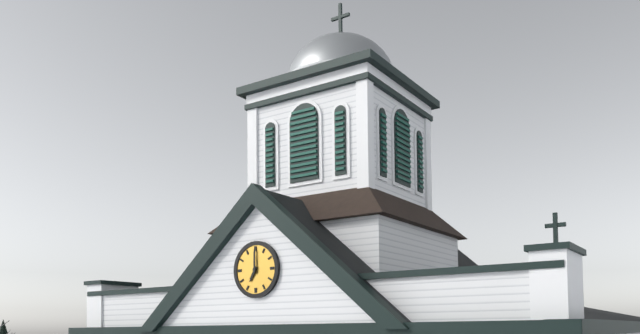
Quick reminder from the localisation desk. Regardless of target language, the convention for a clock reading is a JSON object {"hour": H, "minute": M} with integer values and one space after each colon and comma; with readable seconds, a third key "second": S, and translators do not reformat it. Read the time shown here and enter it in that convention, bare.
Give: {"hour": 7, "minute": 0}
